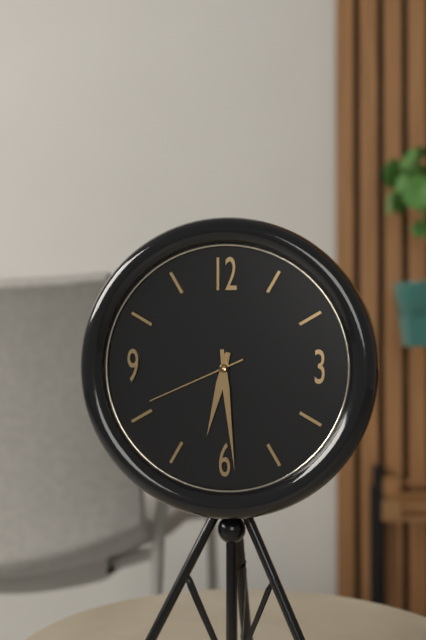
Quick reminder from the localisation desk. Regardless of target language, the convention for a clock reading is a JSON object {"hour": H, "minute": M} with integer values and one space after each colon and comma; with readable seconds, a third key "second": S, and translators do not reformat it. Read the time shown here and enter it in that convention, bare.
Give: {"hour": 6, "minute": 29, "second": 41}
